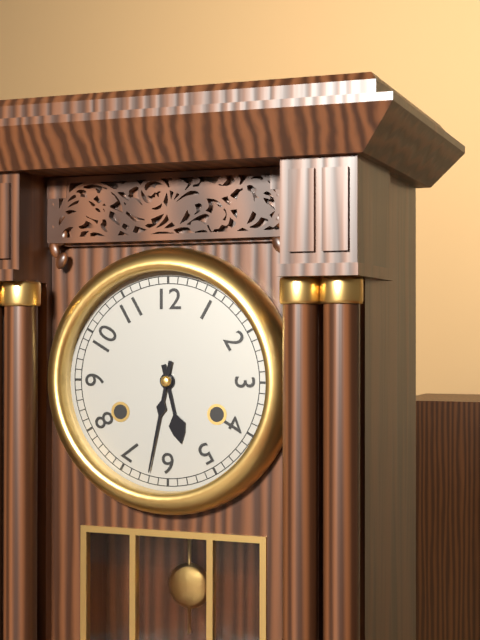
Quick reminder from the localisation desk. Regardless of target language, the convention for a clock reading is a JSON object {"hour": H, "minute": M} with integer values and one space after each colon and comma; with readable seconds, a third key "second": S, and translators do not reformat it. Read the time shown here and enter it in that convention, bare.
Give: {"hour": 5, "minute": 32}
